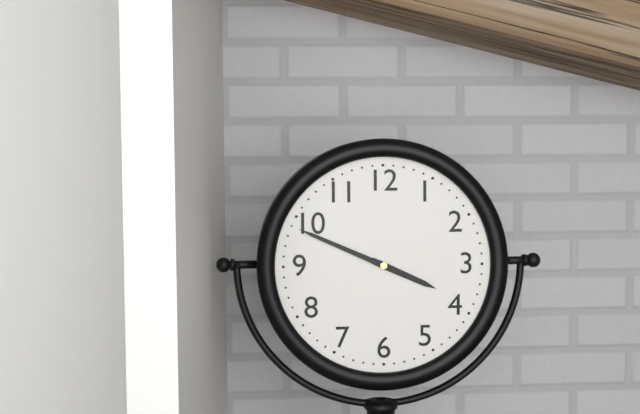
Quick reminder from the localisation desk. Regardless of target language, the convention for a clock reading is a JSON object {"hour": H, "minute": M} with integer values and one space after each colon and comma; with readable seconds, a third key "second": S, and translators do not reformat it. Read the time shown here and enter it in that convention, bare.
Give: {"hour": 3, "minute": 49}
